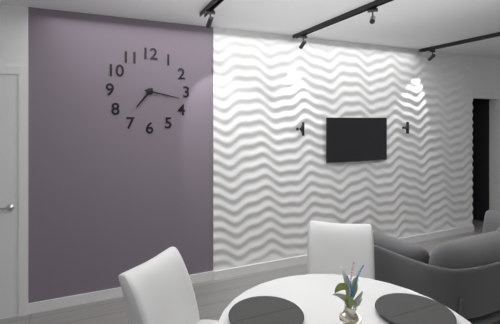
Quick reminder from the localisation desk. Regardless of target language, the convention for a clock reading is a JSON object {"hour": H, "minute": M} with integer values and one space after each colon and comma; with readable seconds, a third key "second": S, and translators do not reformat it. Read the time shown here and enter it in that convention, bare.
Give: {"hour": 7, "minute": 17}
